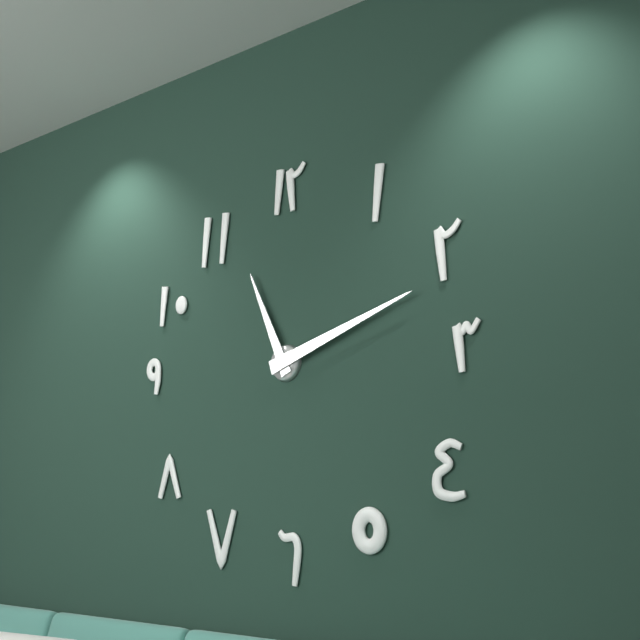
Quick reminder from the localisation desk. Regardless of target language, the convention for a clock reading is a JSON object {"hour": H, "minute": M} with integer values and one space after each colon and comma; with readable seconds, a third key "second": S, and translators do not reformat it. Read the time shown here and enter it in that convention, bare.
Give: {"hour": 11, "minute": 12}
